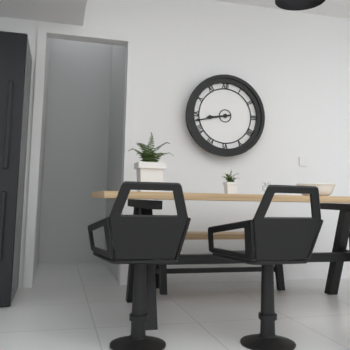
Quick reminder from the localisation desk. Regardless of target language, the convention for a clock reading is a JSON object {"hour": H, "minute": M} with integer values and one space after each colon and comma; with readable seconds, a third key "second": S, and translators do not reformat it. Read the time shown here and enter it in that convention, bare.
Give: {"hour": 8, "minute": 43}
